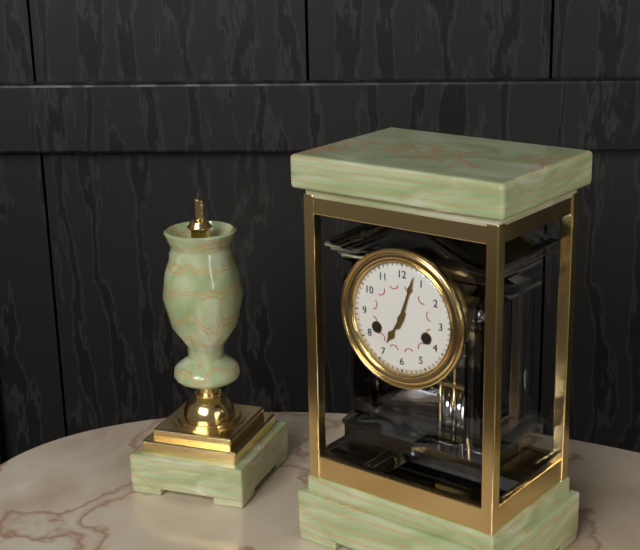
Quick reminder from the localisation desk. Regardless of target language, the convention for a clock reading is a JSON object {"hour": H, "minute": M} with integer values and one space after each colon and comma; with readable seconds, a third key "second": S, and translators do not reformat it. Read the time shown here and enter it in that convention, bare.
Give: {"hour": 7, "minute": 3}
